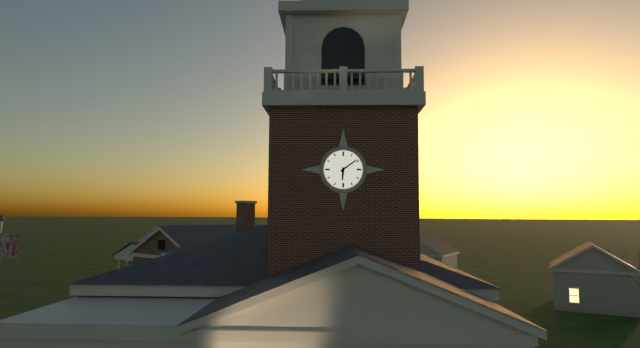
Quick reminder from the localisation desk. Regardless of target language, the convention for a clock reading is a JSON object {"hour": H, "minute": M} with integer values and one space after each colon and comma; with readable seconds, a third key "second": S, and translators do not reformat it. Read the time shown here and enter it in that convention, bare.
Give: {"hour": 6, "minute": 9}
